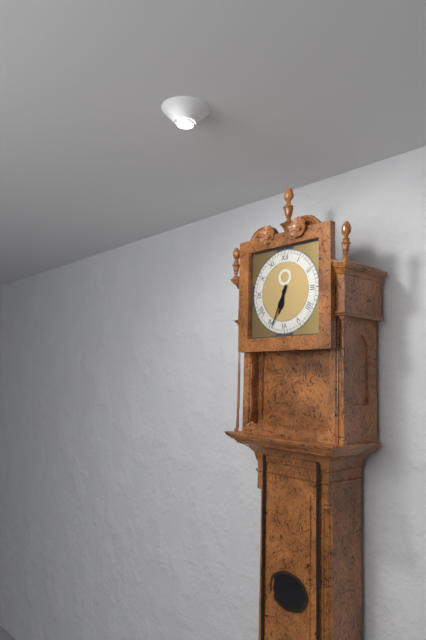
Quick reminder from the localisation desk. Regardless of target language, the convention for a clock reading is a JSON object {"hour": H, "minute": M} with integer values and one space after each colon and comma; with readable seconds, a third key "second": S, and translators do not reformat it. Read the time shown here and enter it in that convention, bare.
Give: {"hour": 6, "minute": 34}
